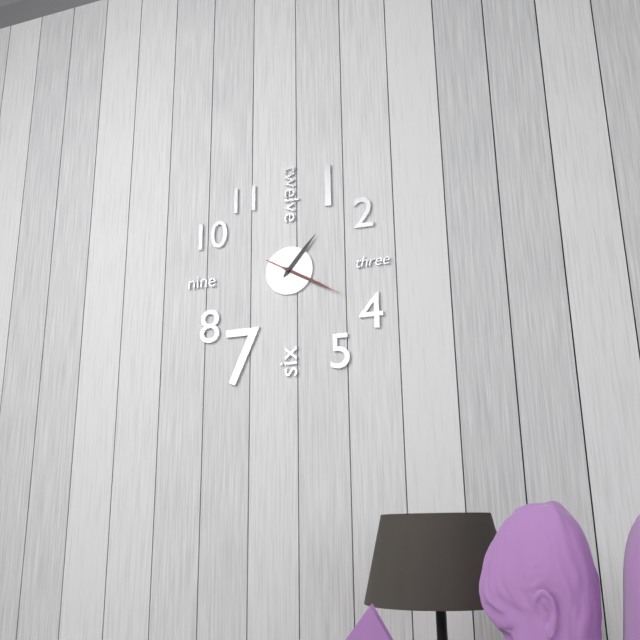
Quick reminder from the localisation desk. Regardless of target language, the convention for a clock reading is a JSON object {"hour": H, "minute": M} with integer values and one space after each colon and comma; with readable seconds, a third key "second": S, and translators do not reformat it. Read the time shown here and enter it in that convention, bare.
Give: {"hour": 1, "minute": 20, "second": 20}
